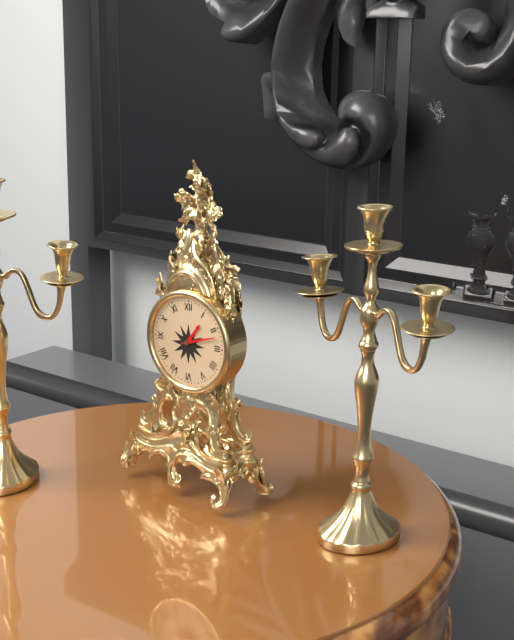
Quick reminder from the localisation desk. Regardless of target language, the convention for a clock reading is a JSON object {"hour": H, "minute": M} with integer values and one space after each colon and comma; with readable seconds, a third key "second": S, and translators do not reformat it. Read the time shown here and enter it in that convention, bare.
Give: {"hour": 1, "minute": 12}
